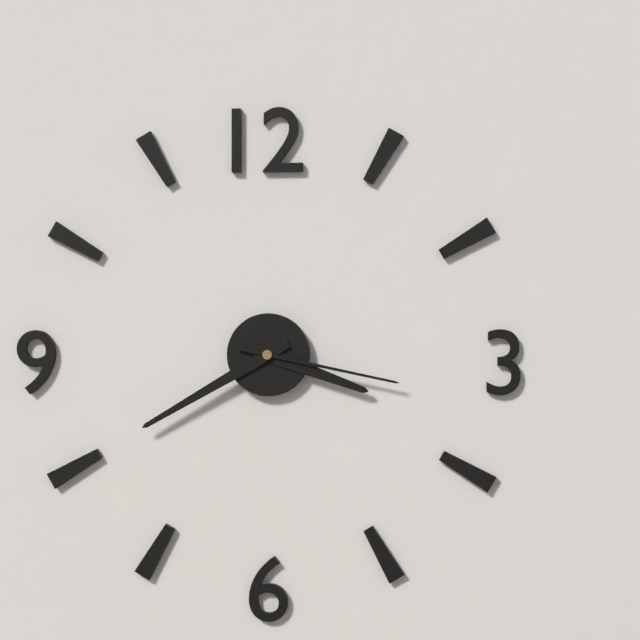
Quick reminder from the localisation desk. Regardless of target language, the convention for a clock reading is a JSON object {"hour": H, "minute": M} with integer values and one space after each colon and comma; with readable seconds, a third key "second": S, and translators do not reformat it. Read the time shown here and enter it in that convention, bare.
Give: {"hour": 3, "minute": 40, "second": 17}
